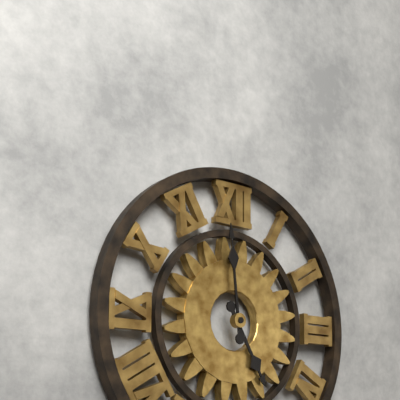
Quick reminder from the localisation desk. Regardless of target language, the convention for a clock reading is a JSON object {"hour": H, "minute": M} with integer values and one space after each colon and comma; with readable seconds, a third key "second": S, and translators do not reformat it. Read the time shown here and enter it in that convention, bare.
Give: {"hour": 4, "minute": 59}
